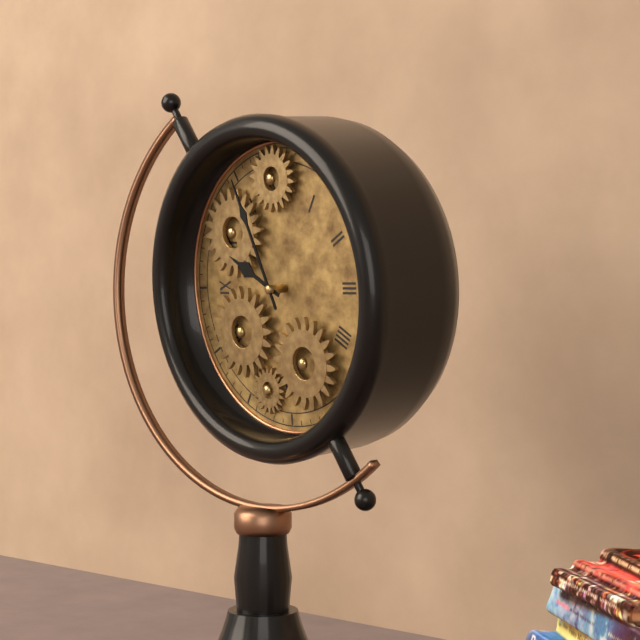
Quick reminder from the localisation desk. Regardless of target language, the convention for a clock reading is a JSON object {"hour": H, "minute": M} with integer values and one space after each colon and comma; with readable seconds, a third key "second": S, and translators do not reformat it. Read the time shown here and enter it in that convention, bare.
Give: {"hour": 9, "minute": 56}
